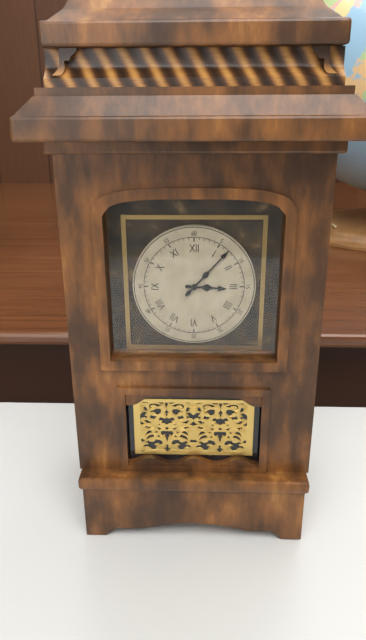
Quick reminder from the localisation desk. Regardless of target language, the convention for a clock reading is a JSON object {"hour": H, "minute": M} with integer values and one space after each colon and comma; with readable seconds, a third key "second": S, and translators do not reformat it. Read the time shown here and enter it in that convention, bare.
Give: {"hour": 3, "minute": 7}
